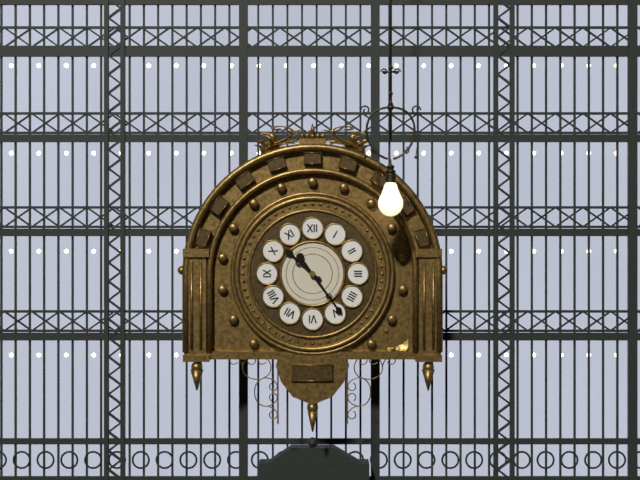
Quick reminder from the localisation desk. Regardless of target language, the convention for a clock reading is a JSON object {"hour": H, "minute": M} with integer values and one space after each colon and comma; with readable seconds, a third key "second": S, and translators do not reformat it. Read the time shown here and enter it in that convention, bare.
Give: {"hour": 10, "minute": 24}
